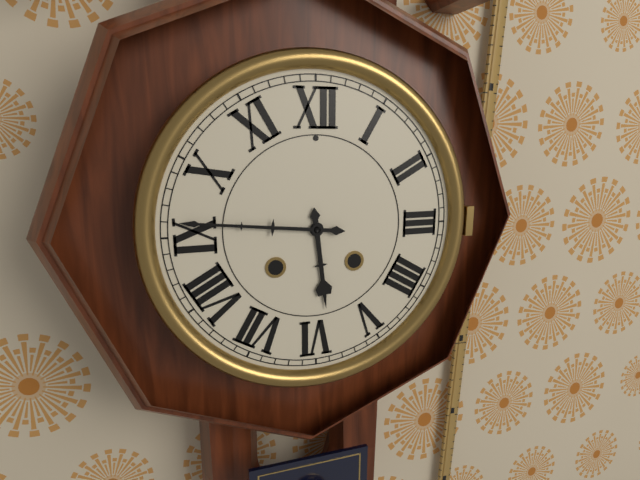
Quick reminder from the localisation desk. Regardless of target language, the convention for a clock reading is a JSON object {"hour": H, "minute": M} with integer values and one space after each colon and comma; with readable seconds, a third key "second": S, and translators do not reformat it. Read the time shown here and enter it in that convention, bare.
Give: {"hour": 5, "minute": 46}
